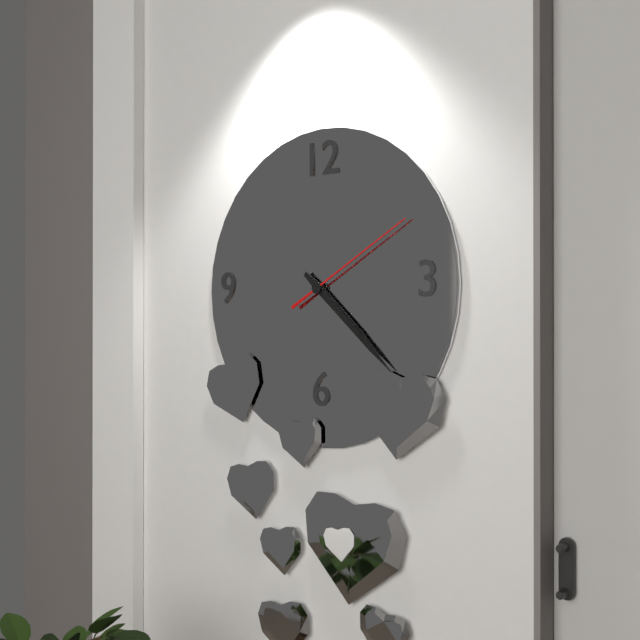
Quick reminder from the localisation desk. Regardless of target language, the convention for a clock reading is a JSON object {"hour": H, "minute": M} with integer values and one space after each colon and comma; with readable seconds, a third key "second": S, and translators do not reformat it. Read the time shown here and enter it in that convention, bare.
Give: {"hour": 4, "minute": 22, "second": 10}
